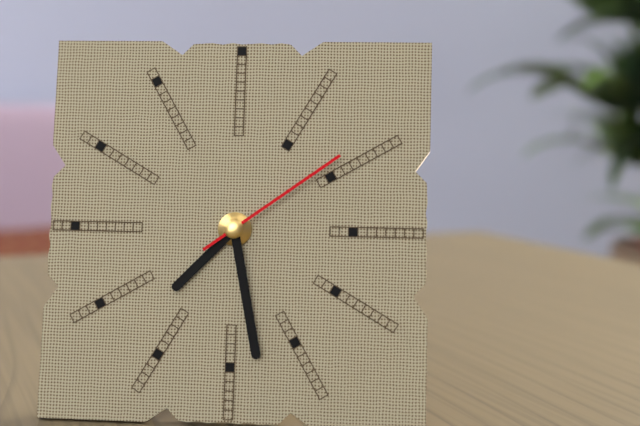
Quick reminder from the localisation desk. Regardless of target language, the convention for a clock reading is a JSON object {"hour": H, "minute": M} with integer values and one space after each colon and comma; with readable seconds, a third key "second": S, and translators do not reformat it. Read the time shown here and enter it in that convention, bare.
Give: {"hour": 7, "minute": 28, "second": 9}
